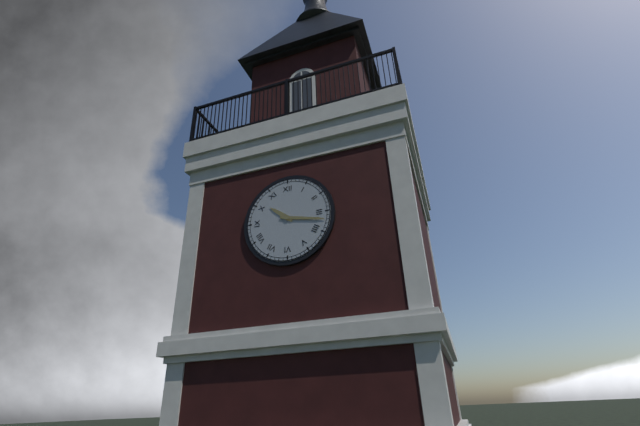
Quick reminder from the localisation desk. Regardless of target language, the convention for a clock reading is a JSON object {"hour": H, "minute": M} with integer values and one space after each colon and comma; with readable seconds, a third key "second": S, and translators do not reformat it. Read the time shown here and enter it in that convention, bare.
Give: {"hour": 10, "minute": 17}
